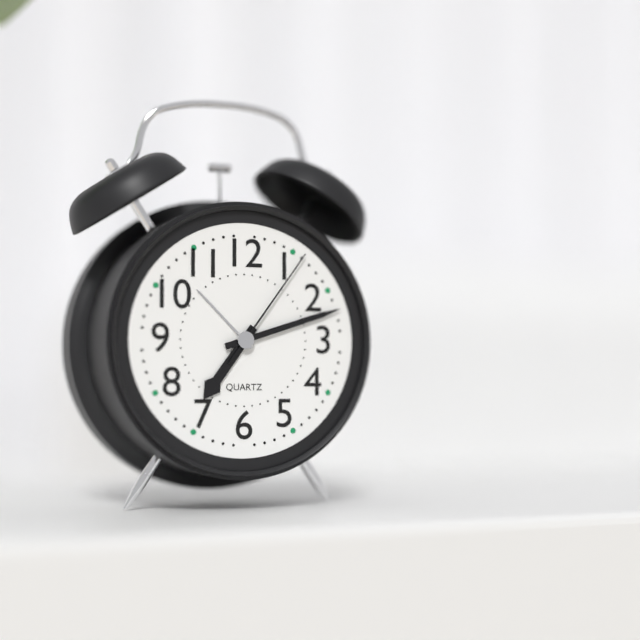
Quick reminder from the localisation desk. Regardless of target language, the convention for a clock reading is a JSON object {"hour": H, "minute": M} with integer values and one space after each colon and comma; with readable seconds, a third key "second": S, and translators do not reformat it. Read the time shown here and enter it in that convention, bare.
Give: {"hour": 7, "minute": 12, "second": 6}
